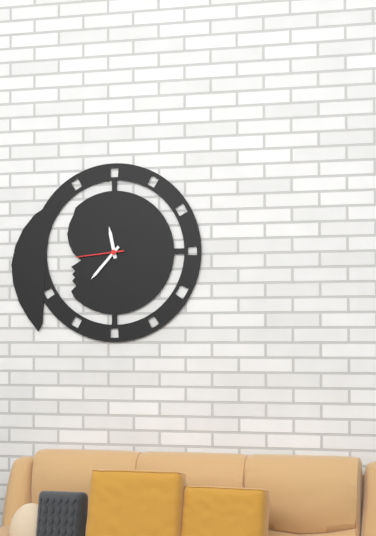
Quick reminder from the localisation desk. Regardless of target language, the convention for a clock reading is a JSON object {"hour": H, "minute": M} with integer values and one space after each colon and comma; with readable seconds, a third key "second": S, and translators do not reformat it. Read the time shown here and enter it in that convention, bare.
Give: {"hour": 11, "minute": 37}
